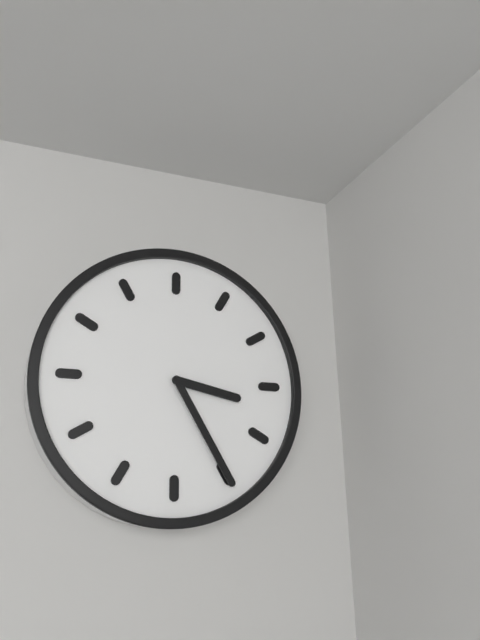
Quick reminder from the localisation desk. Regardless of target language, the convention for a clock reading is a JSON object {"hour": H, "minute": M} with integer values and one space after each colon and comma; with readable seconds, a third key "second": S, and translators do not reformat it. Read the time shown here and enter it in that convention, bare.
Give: {"hour": 3, "minute": 25}
